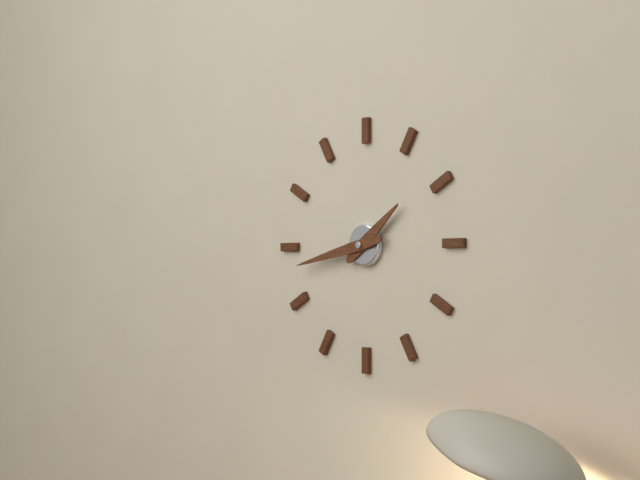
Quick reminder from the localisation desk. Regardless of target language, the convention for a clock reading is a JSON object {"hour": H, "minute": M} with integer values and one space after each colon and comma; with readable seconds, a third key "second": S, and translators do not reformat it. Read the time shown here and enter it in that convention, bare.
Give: {"hour": 1, "minute": 43}
